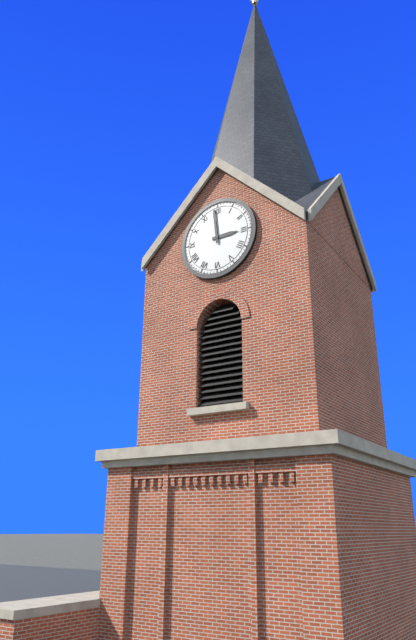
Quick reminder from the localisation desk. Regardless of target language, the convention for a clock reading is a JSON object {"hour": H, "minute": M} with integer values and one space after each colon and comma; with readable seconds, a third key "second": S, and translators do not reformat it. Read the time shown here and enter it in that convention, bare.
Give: {"hour": 2, "minute": 59}
